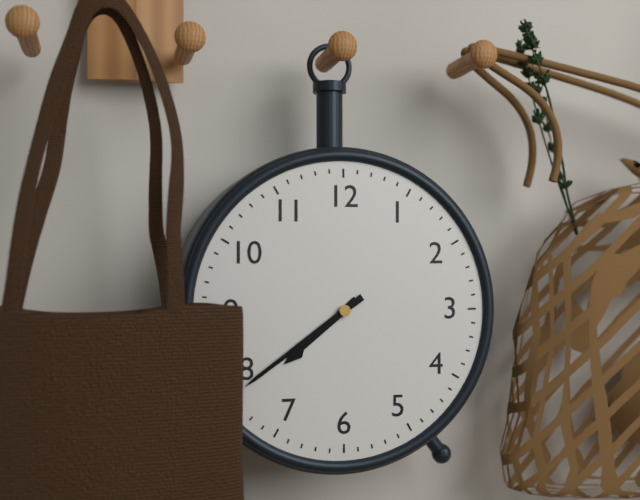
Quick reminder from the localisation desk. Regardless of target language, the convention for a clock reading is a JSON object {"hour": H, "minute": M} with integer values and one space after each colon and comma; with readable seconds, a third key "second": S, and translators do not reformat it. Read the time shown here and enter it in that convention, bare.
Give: {"hour": 7, "minute": 39}
